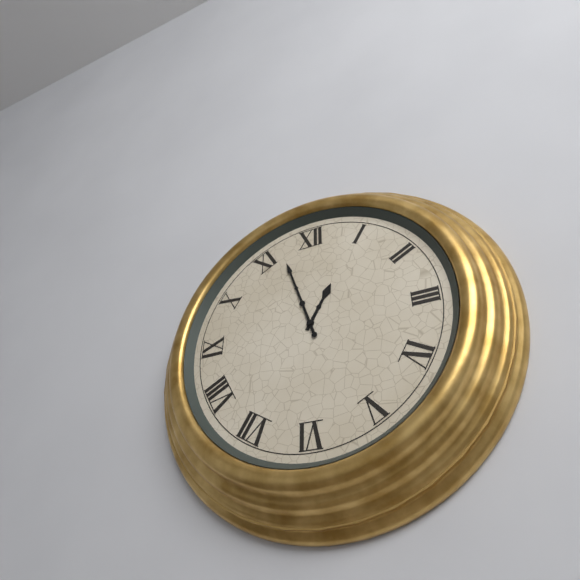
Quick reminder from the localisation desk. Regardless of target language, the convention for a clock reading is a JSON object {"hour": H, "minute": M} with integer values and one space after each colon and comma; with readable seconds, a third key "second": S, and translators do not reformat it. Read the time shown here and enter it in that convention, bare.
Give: {"hour": 12, "minute": 57}
